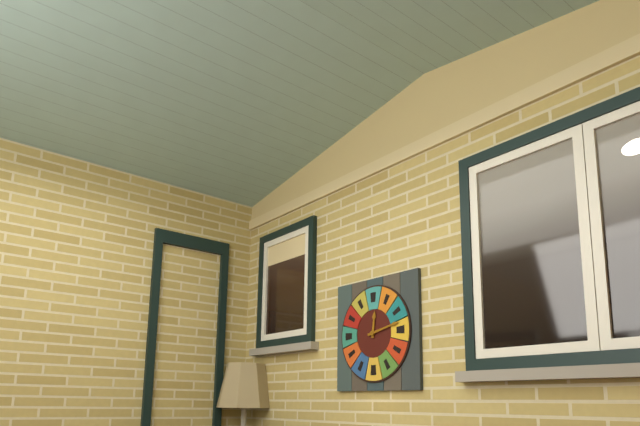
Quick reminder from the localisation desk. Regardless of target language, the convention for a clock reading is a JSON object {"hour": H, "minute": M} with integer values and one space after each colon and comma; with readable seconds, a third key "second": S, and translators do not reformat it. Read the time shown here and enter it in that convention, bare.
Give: {"hour": 12, "minute": 13}
